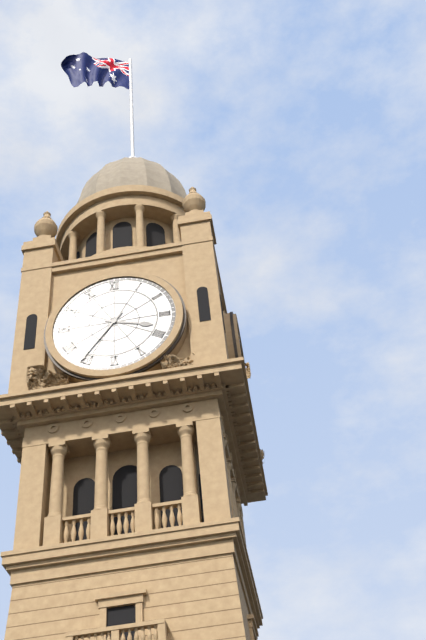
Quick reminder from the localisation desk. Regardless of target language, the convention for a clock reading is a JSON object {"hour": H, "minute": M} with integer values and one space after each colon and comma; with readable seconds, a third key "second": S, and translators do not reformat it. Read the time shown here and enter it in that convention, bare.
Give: {"hour": 3, "minute": 36}
